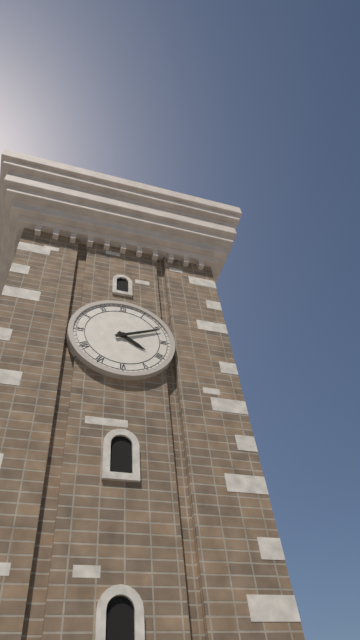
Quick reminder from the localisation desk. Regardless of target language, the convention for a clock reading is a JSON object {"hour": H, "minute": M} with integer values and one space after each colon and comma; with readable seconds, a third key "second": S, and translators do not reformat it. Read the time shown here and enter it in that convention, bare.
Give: {"hour": 4, "minute": 11}
